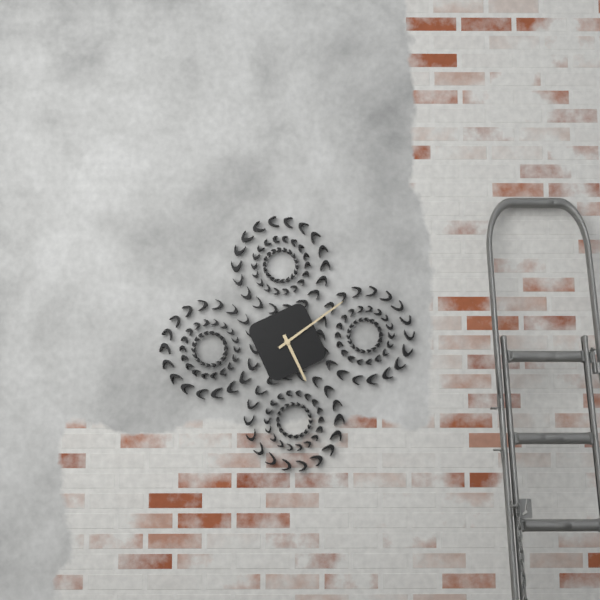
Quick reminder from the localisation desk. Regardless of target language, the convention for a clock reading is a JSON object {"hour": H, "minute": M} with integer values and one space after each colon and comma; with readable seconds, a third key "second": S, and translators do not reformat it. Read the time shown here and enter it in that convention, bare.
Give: {"hour": 5, "minute": 9}
